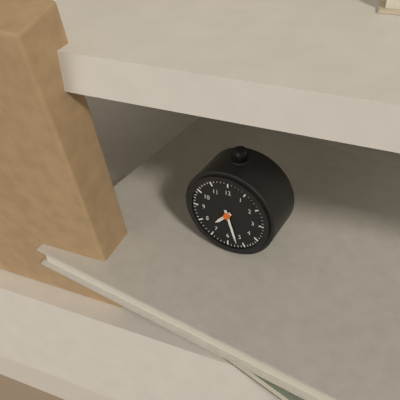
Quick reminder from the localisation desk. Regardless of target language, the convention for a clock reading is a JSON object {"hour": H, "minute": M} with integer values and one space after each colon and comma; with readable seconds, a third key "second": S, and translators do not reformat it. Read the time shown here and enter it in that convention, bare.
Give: {"hour": 7, "minute": 27}
